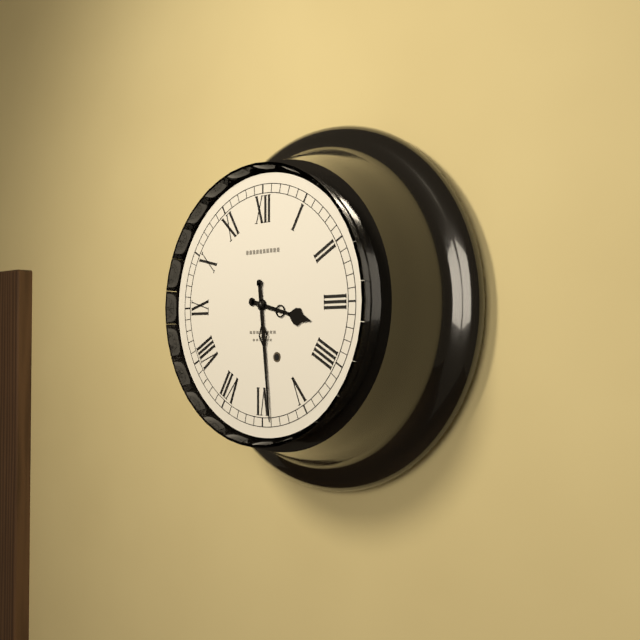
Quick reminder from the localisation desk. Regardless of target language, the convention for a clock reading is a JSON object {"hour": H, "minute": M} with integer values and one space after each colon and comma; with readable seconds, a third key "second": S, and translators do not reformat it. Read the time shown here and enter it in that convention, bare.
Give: {"hour": 3, "minute": 29}
